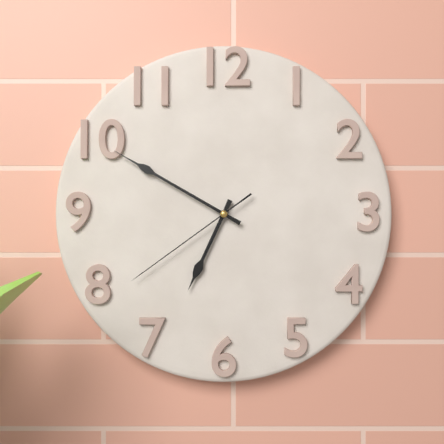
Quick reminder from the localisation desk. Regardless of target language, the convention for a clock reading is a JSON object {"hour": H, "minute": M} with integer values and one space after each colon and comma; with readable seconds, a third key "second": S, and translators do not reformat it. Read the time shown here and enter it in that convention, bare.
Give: {"hour": 6, "minute": 50, "second": 39}
